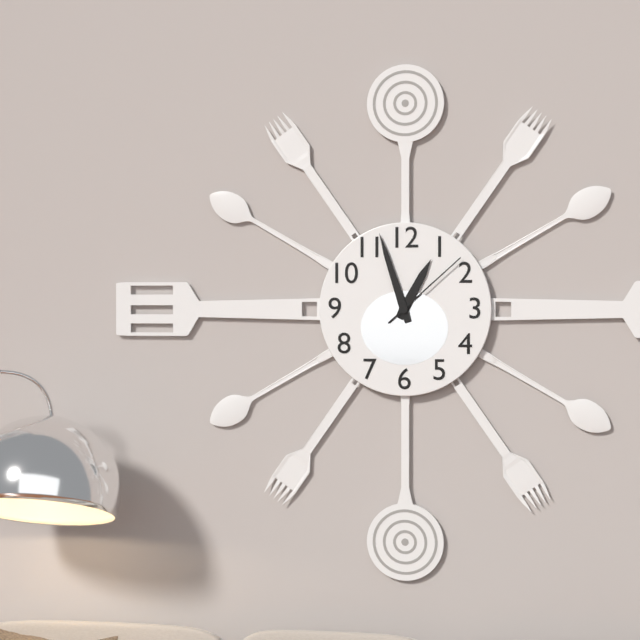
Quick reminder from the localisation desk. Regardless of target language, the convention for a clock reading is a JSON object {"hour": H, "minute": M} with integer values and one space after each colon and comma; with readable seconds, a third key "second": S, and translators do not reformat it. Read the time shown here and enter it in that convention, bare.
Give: {"hour": 12, "minute": 57, "second": 8}
